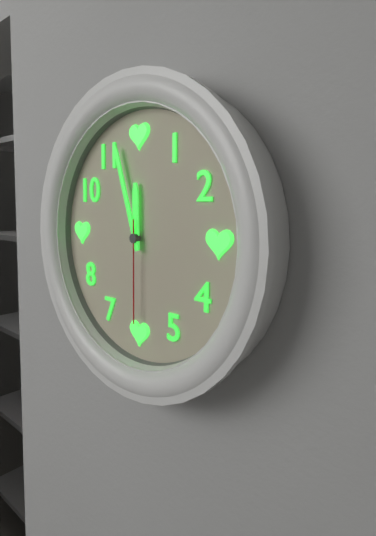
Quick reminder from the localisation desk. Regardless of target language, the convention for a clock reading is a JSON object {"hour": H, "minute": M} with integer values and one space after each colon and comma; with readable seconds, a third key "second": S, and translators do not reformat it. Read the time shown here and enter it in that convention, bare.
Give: {"hour": 11, "minute": 57, "second": 30}
